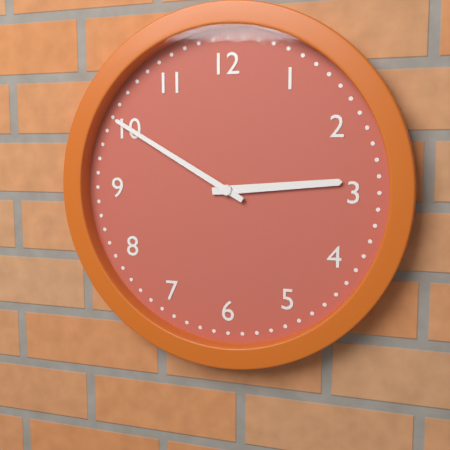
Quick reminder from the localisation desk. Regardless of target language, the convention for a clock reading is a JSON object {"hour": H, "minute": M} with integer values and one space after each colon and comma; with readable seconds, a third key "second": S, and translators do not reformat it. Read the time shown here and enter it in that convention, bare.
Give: {"hour": 2, "minute": 50}
